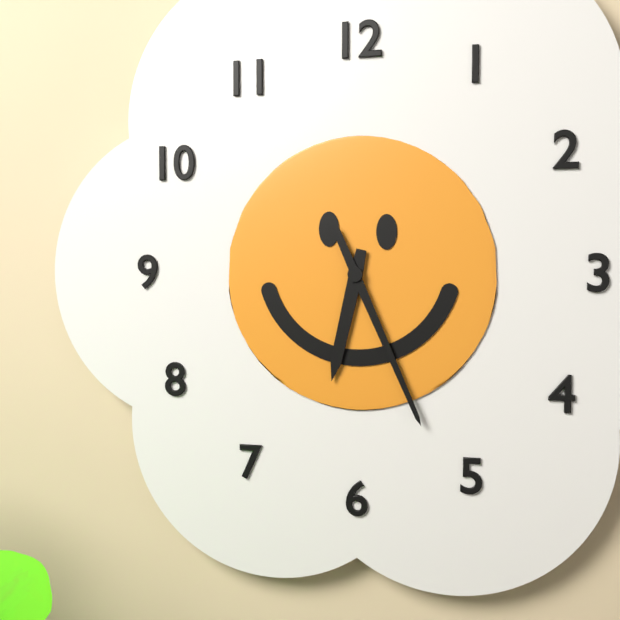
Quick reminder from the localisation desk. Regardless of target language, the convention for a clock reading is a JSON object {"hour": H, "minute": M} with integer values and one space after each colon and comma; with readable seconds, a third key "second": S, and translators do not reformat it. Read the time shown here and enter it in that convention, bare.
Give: {"hour": 6, "minute": 26}
